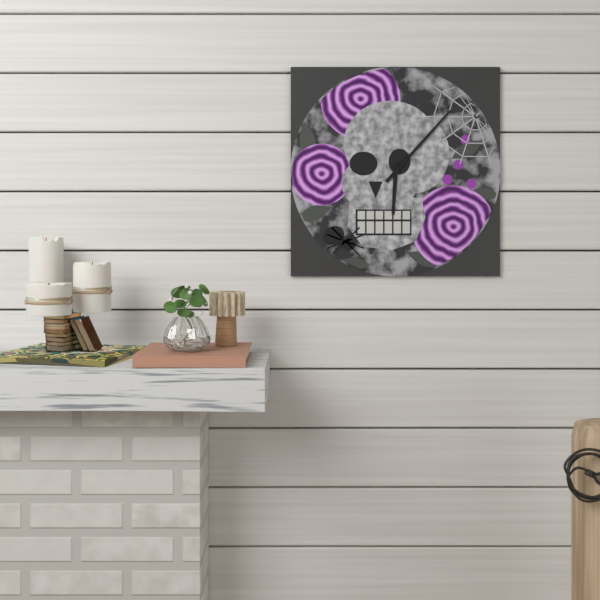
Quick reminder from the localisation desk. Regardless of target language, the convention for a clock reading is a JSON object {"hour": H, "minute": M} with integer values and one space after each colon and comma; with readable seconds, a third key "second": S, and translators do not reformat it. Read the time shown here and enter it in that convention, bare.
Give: {"hour": 6, "minute": 7}
